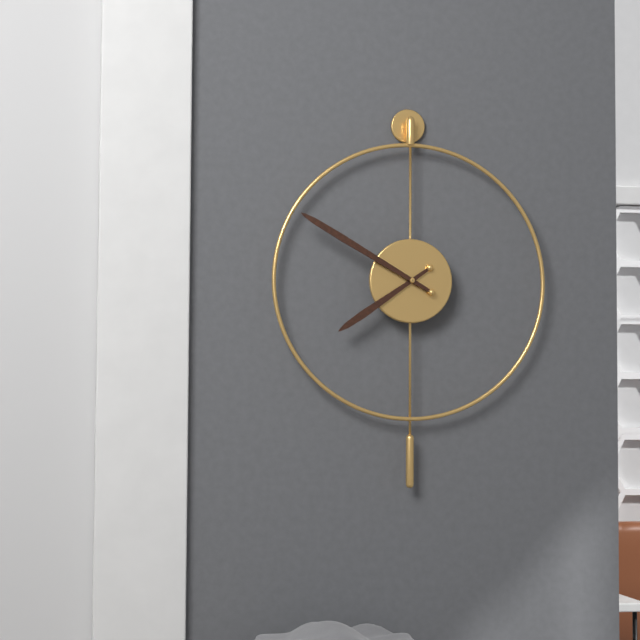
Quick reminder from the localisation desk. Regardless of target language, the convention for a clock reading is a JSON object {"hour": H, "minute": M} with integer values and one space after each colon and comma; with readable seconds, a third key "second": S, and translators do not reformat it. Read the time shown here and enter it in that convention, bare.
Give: {"hour": 7, "minute": 50}
